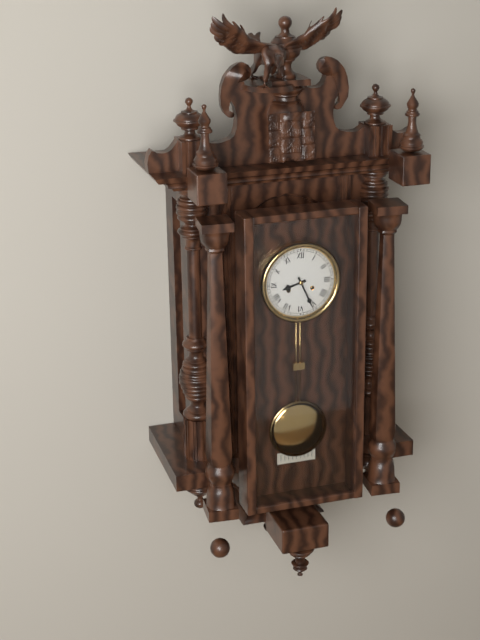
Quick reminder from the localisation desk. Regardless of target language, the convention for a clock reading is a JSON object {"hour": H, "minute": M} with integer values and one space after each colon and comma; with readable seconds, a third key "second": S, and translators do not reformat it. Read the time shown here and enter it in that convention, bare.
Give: {"hour": 8, "minute": 26}
